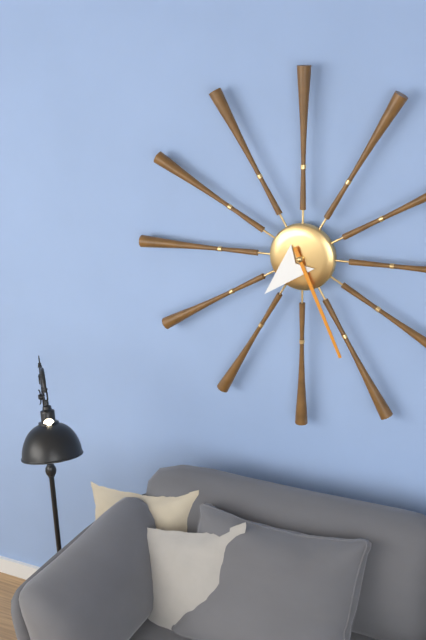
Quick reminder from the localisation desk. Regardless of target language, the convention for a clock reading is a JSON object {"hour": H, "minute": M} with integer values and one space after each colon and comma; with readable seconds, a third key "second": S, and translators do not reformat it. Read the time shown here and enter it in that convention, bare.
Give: {"hour": 7, "minute": 26}
